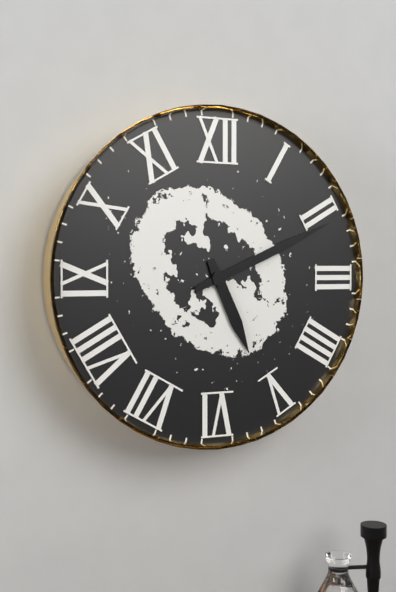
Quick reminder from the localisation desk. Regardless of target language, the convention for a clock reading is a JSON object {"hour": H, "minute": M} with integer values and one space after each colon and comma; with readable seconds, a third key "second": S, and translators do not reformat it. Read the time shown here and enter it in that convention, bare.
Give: {"hour": 5, "minute": 11}
